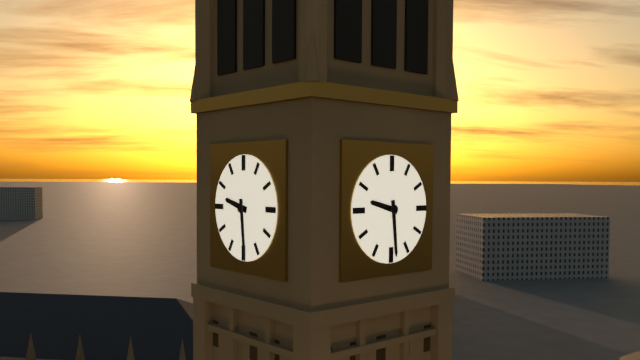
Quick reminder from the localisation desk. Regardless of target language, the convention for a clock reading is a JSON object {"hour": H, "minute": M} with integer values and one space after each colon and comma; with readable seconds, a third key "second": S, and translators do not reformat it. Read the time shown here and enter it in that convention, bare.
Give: {"hour": 9, "minute": 29}
